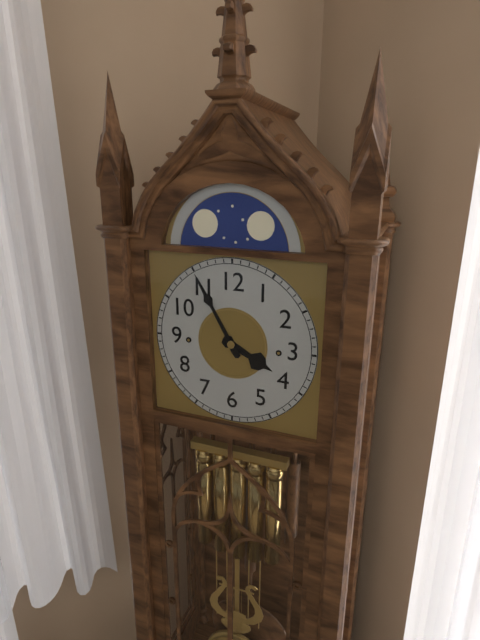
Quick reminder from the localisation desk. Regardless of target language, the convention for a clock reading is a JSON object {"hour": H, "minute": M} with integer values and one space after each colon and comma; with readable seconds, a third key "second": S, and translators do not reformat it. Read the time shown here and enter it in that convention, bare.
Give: {"hour": 3, "minute": 55}
